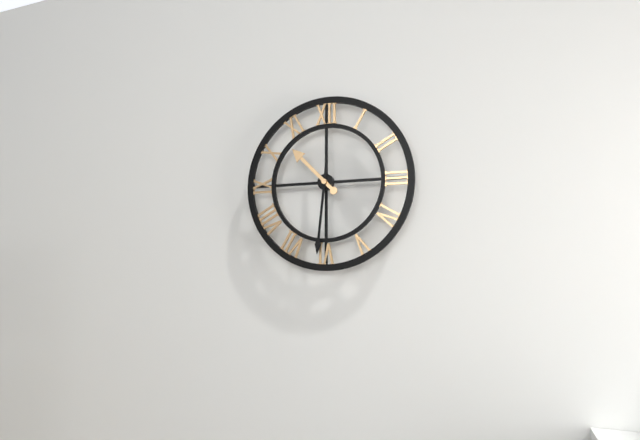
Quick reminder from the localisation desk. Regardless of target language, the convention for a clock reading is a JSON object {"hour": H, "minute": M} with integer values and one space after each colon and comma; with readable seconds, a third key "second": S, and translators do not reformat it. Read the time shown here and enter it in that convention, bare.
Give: {"hour": 10, "minute": 31}
